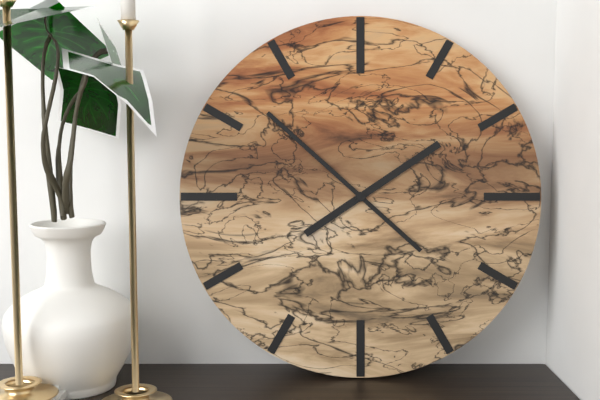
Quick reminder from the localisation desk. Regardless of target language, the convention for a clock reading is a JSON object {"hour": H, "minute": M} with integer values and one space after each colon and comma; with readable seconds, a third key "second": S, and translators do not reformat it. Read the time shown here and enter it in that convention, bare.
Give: {"hour": 1, "minute": 52}
